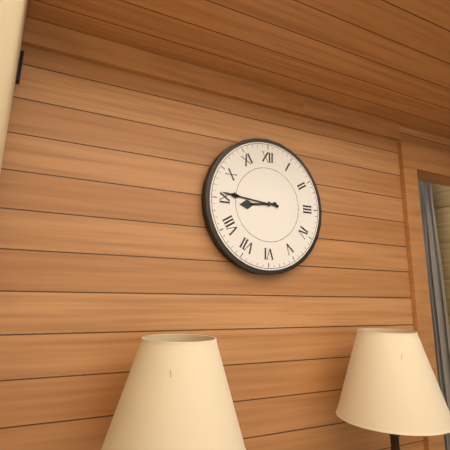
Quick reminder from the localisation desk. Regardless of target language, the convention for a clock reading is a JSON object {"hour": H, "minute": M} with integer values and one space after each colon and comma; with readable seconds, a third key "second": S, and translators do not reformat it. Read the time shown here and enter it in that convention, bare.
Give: {"hour": 8, "minute": 46}
